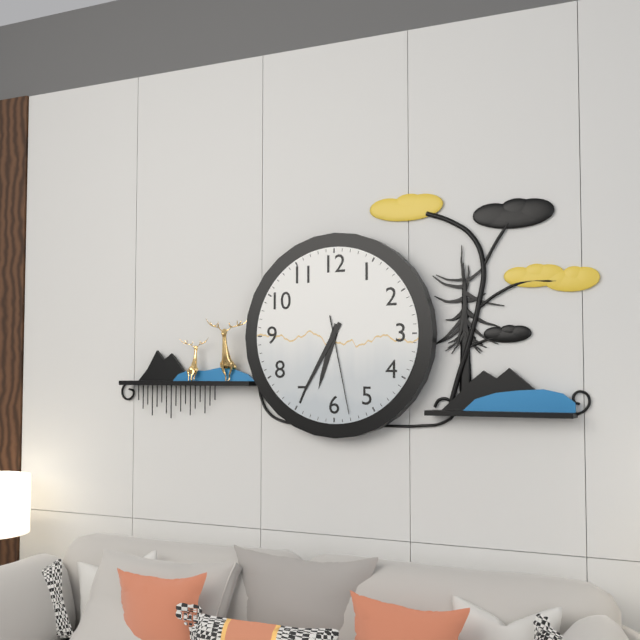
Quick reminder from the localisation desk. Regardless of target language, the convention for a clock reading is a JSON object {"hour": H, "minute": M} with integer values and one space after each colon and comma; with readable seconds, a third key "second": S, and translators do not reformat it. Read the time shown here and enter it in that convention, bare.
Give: {"hour": 6, "minute": 35, "second": 28}
